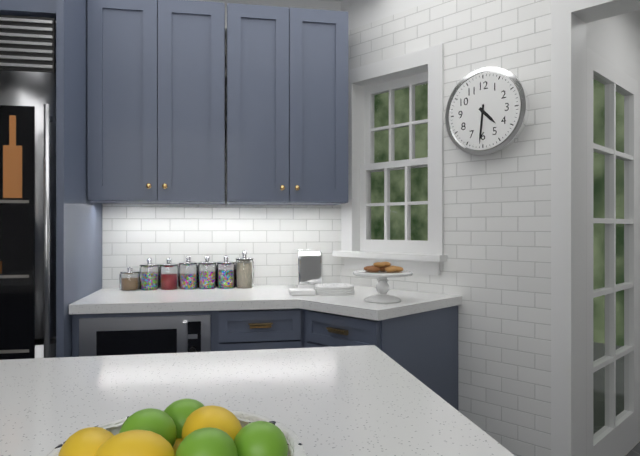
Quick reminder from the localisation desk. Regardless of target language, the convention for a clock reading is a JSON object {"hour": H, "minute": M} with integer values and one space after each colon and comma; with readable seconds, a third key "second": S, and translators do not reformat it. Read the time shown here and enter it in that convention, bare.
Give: {"hour": 4, "minute": 31}
